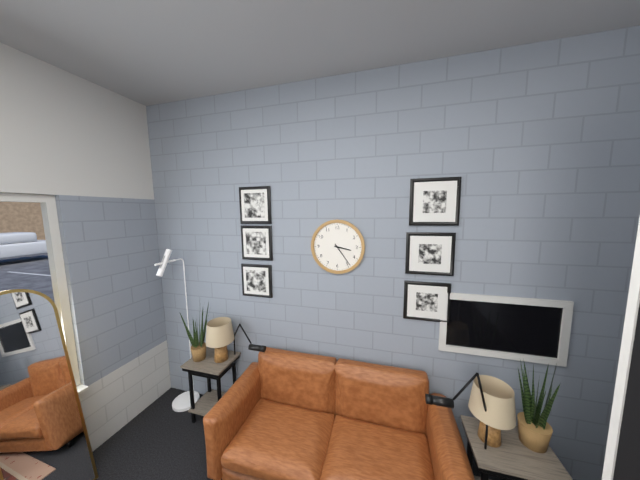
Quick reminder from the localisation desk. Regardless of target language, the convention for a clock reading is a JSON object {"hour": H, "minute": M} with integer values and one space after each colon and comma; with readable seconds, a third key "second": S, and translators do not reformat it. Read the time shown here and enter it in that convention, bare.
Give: {"hour": 3, "minute": 24}
